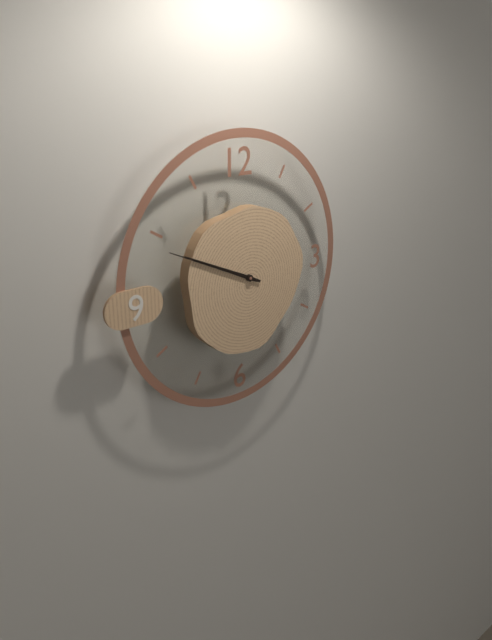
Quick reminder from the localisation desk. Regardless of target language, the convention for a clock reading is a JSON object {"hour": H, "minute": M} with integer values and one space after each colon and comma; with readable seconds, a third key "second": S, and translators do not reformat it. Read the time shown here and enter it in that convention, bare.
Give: {"hour": 9, "minute": 49}
